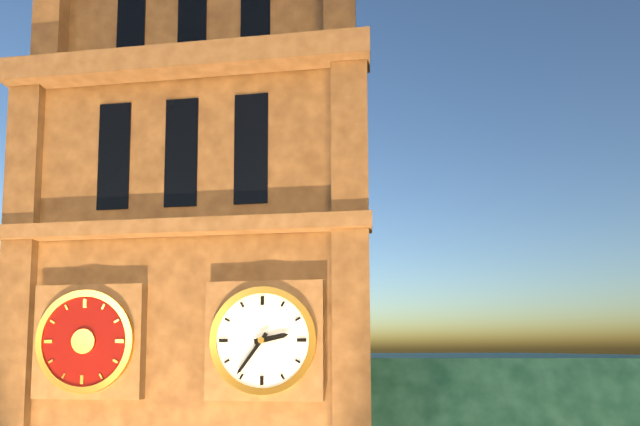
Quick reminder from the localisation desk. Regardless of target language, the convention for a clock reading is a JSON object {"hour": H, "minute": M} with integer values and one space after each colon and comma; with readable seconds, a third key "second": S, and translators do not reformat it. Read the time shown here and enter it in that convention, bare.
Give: {"hour": 2, "minute": 36}
